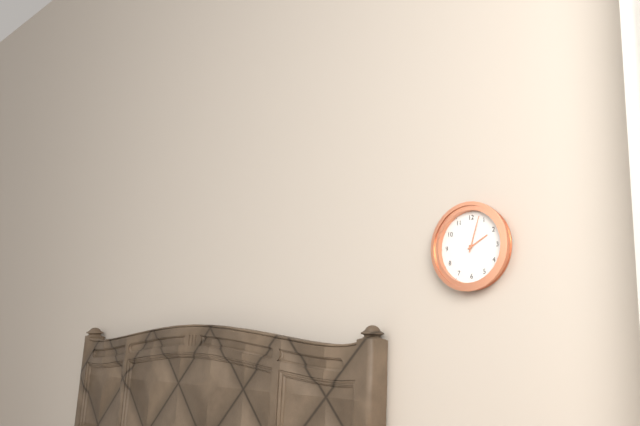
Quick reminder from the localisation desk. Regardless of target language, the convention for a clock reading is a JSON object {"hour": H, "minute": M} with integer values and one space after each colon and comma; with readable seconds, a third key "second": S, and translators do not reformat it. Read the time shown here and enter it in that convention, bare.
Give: {"hour": 2, "minute": 3}
